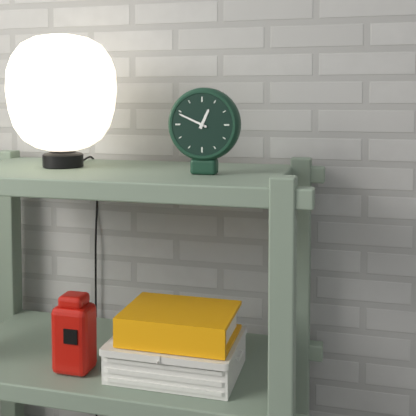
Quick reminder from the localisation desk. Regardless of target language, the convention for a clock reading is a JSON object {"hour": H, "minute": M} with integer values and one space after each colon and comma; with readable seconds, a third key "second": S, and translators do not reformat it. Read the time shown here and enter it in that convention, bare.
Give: {"hour": 12, "minute": 49}
